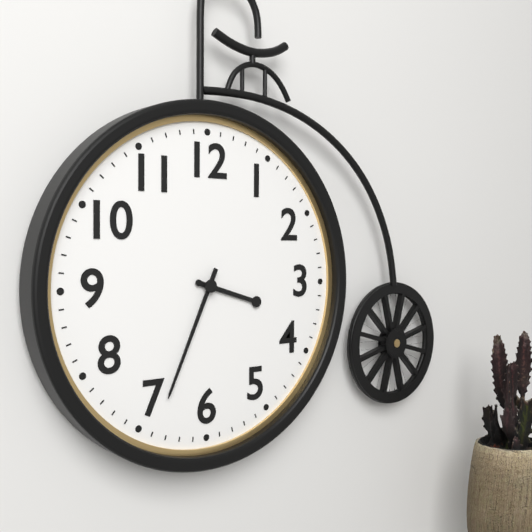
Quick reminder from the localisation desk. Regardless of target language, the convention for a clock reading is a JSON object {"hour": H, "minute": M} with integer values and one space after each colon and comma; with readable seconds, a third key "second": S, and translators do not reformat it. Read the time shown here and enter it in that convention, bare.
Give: {"hour": 3, "minute": 34}
